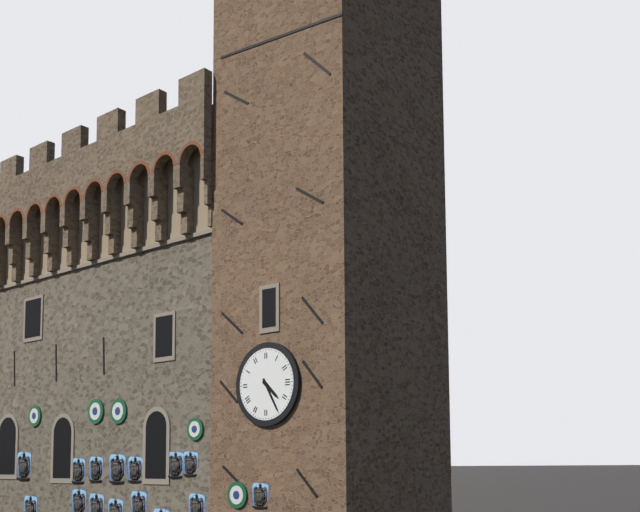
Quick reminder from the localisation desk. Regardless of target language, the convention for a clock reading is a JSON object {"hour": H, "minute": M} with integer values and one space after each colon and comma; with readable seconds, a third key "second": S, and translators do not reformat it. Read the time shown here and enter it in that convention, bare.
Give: {"hour": 4, "minute": 25}
